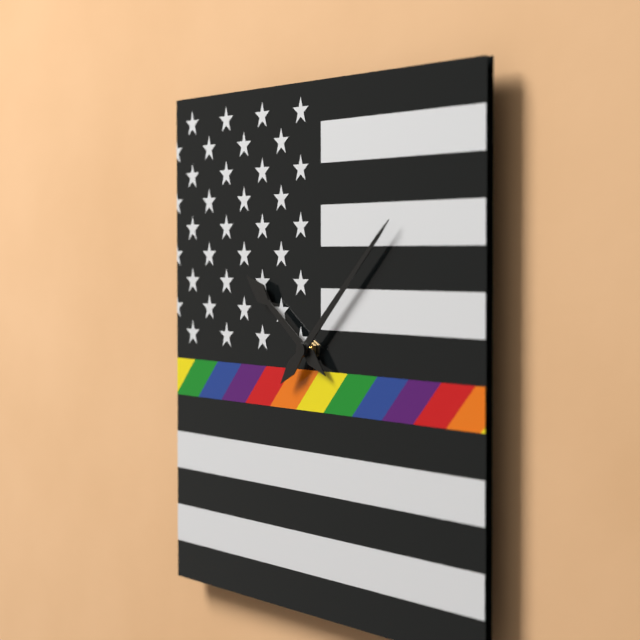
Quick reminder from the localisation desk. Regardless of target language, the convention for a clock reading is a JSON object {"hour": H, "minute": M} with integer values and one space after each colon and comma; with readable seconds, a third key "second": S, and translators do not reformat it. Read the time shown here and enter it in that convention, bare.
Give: {"hour": 10, "minute": 8}
